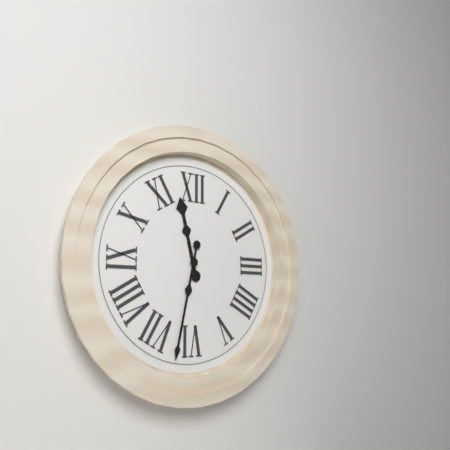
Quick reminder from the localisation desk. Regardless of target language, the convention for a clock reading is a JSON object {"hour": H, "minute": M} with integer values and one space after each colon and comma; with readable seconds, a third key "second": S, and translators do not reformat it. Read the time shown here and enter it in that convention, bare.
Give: {"hour": 11, "minute": 32}
